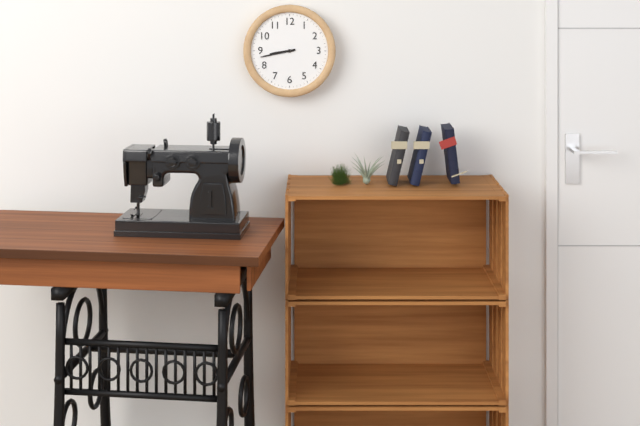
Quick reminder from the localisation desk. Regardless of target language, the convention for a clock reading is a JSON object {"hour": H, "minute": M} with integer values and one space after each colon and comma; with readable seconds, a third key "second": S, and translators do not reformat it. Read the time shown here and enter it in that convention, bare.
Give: {"hour": 8, "minute": 43}
